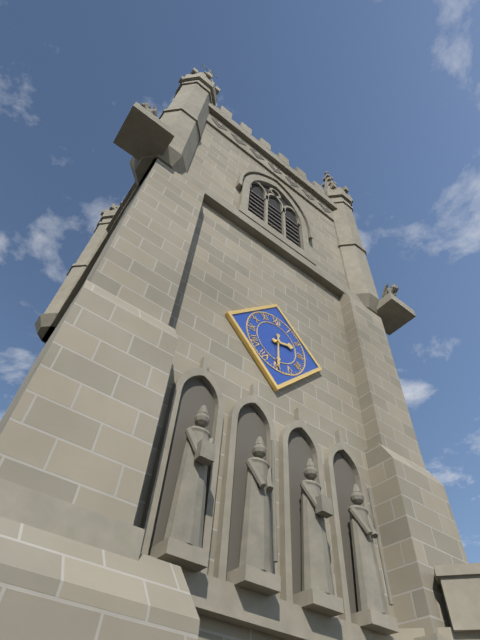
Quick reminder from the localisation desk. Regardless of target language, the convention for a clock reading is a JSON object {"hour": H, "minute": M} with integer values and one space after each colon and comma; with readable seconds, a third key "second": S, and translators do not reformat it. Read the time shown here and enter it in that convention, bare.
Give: {"hour": 2, "minute": 30}
